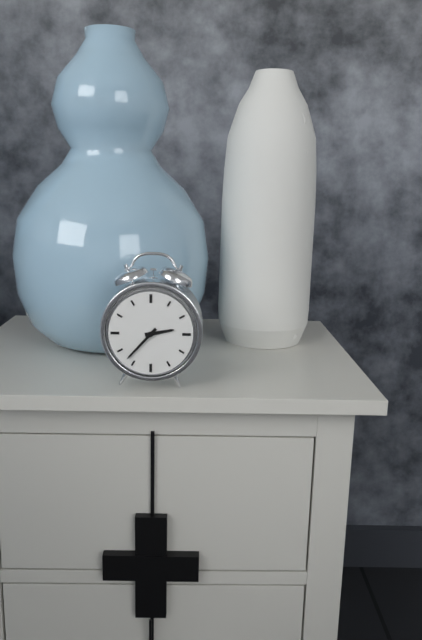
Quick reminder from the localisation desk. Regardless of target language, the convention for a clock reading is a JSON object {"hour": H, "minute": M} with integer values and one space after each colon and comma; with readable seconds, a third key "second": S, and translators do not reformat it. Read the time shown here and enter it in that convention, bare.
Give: {"hour": 2, "minute": 37}
